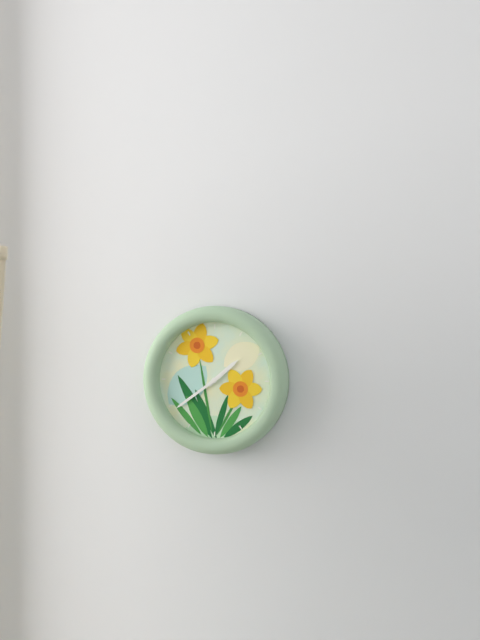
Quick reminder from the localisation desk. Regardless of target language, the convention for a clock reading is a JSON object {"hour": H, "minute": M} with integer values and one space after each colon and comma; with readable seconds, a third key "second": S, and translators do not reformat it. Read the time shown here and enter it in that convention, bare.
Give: {"hour": 1, "minute": 39}
